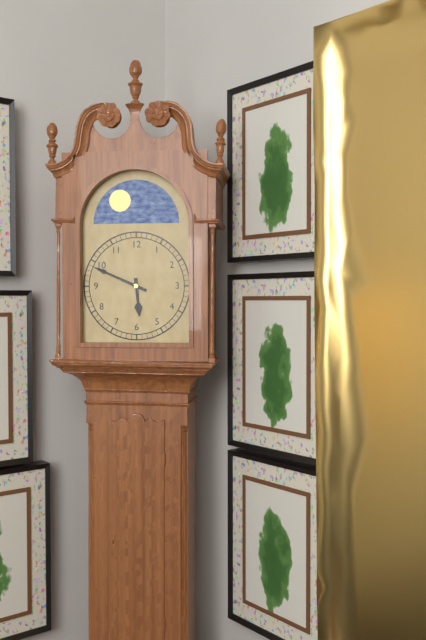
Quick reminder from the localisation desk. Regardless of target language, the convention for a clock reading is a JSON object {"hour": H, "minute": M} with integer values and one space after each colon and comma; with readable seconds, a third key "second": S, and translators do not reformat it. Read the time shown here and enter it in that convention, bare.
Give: {"hour": 5, "minute": 49}
